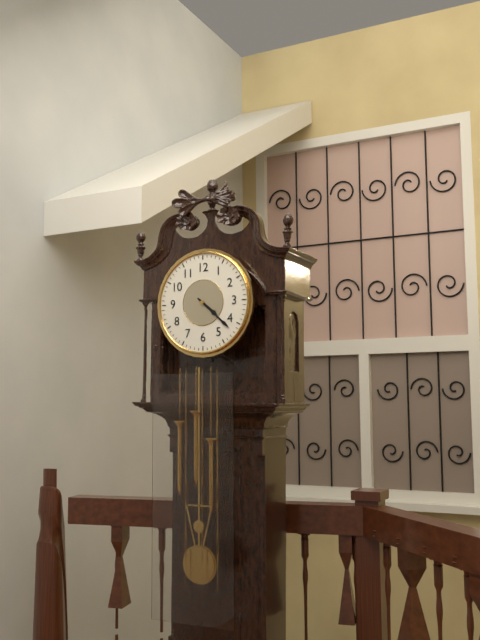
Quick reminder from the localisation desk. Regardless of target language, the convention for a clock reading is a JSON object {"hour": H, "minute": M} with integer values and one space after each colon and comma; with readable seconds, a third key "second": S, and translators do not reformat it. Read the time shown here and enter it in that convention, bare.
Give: {"hour": 4, "minute": 22}
